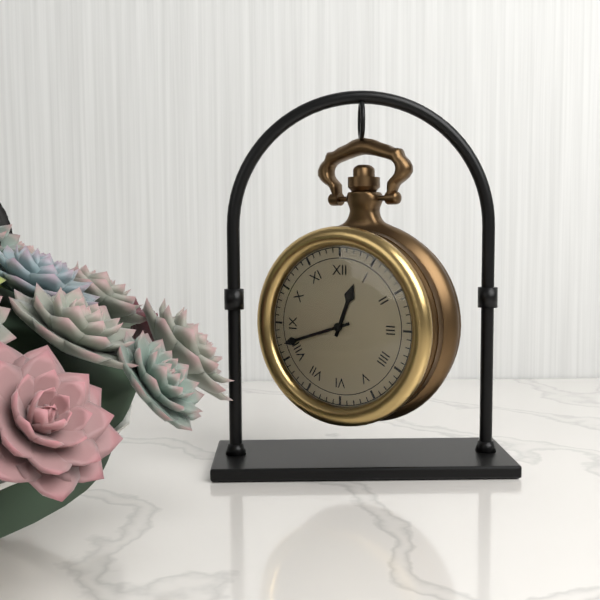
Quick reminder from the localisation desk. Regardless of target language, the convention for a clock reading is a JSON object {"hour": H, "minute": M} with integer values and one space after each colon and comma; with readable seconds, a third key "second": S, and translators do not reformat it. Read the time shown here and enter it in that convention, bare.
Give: {"hour": 12, "minute": 42}
